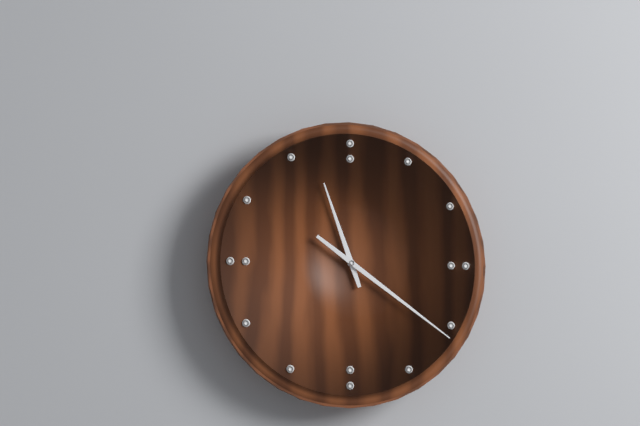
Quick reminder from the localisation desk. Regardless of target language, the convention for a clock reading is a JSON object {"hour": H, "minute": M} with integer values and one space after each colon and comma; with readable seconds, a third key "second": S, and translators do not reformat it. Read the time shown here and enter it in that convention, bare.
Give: {"hour": 11, "minute": 21}
